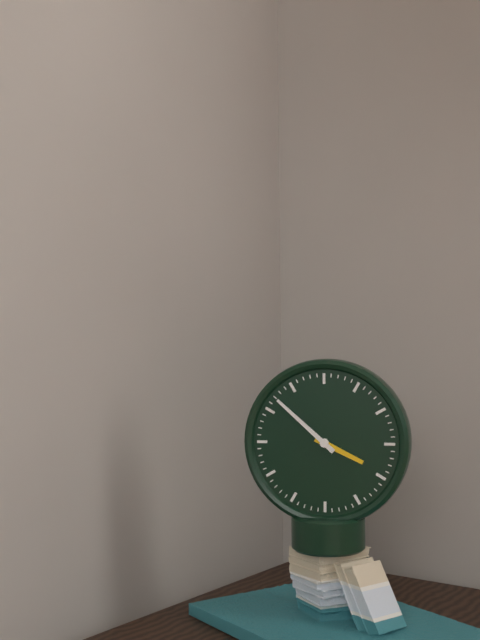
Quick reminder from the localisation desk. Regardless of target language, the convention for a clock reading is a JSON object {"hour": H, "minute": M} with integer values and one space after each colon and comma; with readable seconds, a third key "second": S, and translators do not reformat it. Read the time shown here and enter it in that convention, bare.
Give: {"hour": 3, "minute": 52}
